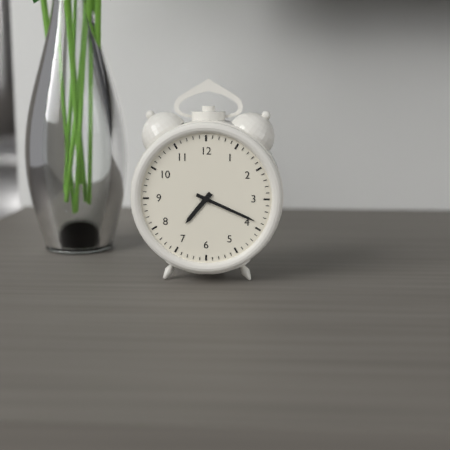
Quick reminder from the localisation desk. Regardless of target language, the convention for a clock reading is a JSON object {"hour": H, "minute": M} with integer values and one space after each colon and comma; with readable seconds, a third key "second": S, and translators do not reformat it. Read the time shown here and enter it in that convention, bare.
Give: {"hour": 7, "minute": 19}
